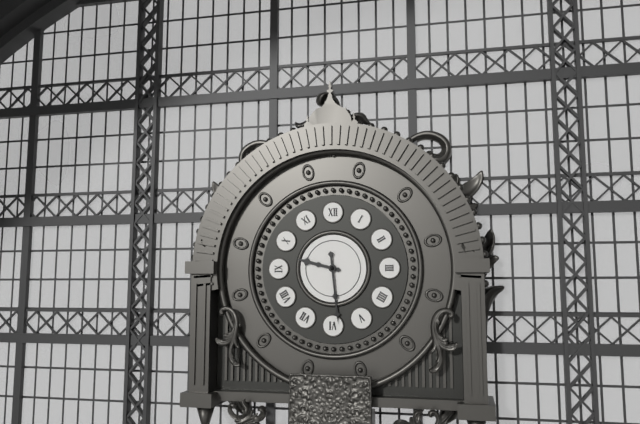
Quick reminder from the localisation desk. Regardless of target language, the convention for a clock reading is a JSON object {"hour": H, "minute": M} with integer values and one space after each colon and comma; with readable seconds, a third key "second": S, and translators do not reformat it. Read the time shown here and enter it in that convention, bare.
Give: {"hour": 9, "minute": 29}
